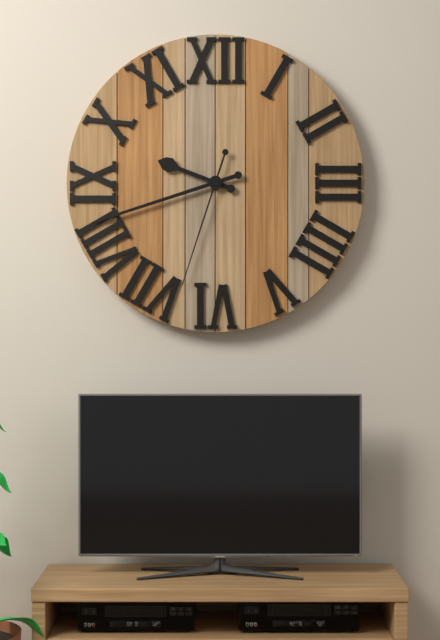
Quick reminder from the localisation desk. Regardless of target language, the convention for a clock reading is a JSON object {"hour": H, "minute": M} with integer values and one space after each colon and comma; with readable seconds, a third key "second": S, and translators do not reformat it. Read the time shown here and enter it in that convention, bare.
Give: {"hour": 9, "minute": 42, "second": 33}
